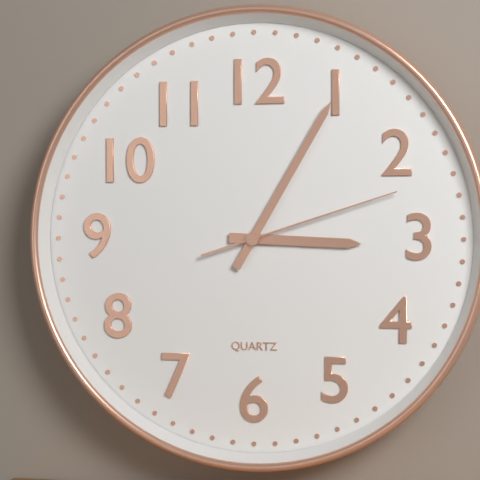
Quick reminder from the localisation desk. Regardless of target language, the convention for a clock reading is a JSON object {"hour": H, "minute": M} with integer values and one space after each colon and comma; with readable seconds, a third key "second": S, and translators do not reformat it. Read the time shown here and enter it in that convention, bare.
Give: {"hour": 3, "minute": 5, "second": 12}
